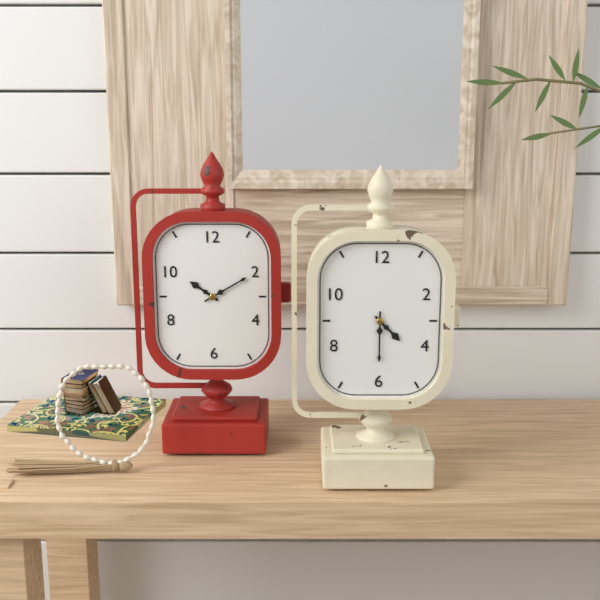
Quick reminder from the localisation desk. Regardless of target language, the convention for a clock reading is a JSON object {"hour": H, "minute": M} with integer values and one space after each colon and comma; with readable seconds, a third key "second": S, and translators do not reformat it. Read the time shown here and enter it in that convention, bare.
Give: {"hour": 4, "minute": 30}
